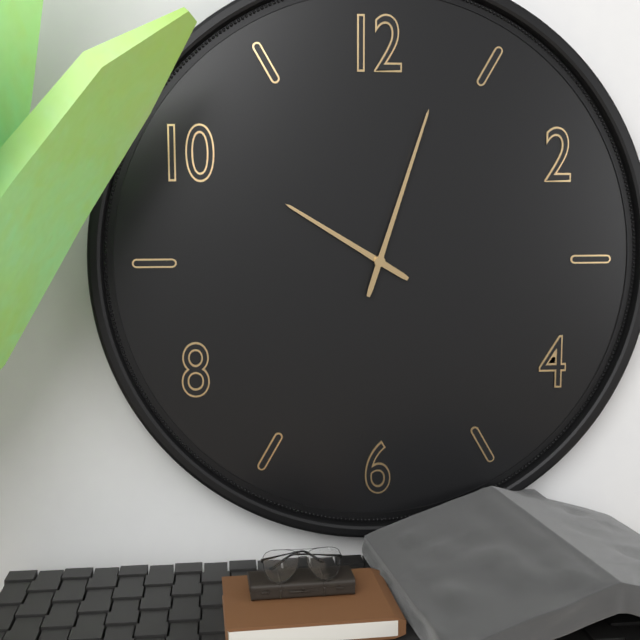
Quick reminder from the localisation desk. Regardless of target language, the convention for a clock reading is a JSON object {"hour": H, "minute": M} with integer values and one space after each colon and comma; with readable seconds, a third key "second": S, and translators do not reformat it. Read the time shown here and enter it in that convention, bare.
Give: {"hour": 10, "minute": 3}
